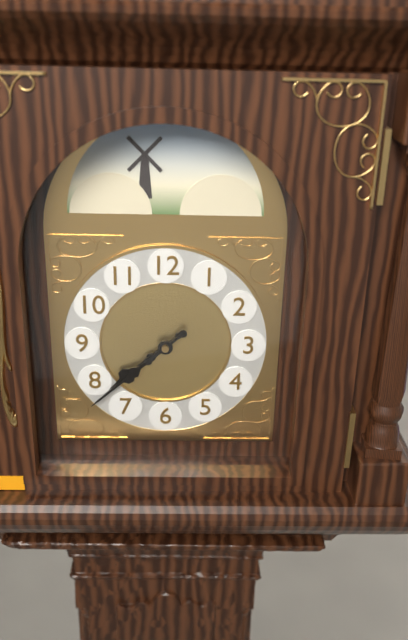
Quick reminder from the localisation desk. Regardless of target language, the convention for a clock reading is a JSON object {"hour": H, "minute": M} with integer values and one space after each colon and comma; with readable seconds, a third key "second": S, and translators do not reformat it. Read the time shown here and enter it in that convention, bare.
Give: {"hour": 7, "minute": 38}
